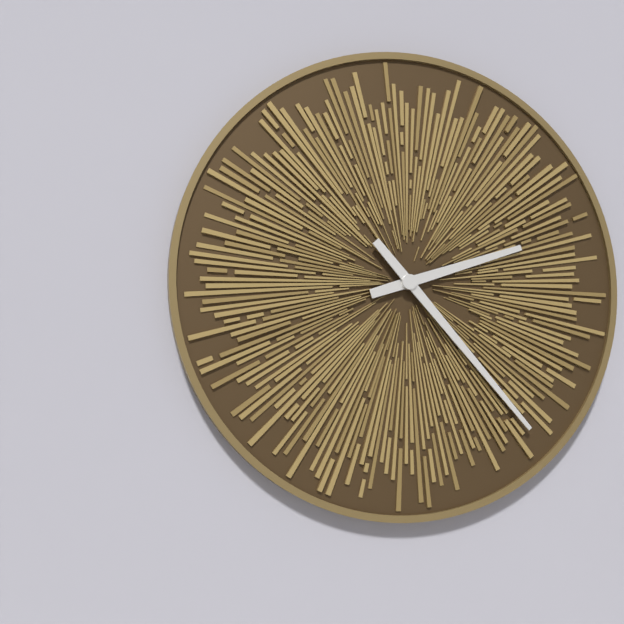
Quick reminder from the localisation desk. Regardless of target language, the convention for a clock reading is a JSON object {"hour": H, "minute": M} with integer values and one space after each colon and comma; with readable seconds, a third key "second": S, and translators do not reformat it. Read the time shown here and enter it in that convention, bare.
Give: {"hour": 2, "minute": 23}
